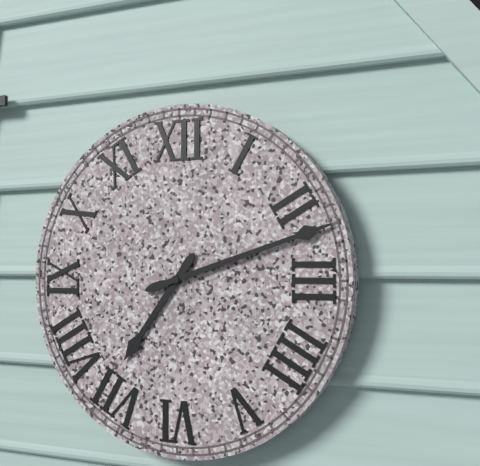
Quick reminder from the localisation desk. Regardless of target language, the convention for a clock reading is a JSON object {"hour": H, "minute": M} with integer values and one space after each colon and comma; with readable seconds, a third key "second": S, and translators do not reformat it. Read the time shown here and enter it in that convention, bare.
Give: {"hour": 7, "minute": 12}
